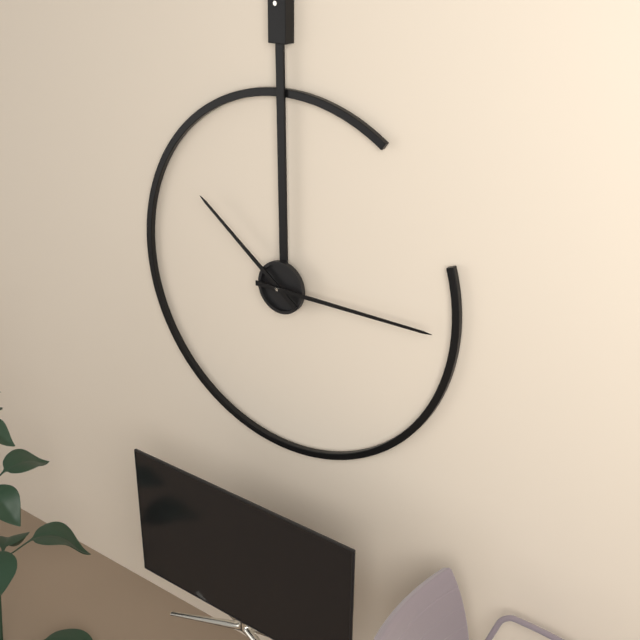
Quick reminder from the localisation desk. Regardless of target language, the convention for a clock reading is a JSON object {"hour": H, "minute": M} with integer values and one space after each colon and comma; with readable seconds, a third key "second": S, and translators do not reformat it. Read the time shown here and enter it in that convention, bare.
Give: {"hour": 10, "minute": 15}
